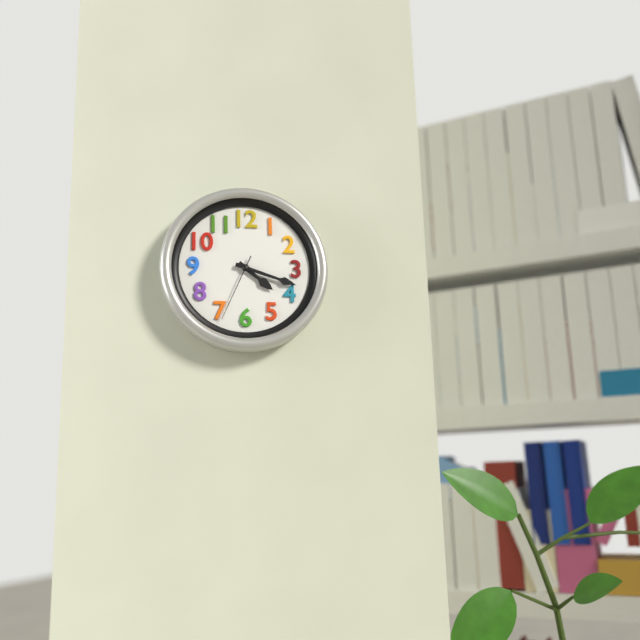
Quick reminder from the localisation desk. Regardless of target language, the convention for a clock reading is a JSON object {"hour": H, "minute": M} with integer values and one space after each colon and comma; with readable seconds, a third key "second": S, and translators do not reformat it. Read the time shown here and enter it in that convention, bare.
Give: {"hour": 4, "minute": 18, "second": 34}
